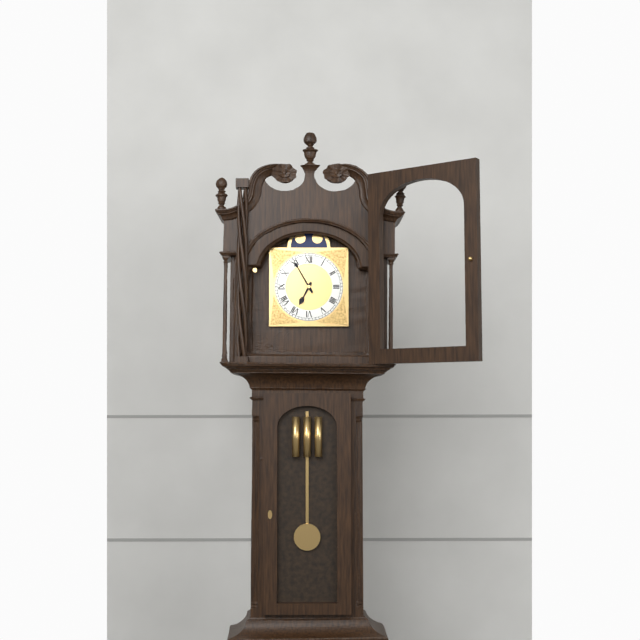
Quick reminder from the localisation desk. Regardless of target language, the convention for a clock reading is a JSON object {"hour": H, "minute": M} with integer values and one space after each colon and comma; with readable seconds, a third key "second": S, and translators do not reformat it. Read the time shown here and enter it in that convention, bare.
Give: {"hour": 6, "minute": 55}
